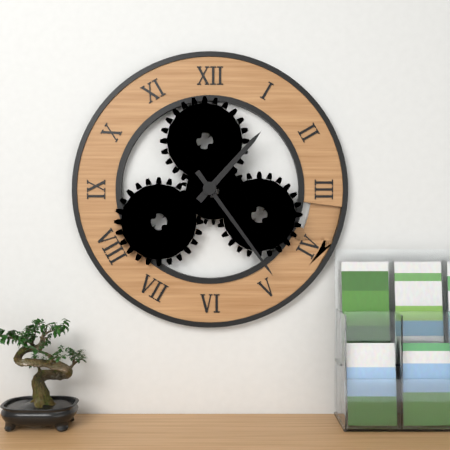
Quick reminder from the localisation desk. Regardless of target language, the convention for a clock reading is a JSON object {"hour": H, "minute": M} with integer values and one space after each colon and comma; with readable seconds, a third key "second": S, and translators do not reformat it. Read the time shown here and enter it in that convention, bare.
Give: {"hour": 1, "minute": 24}
